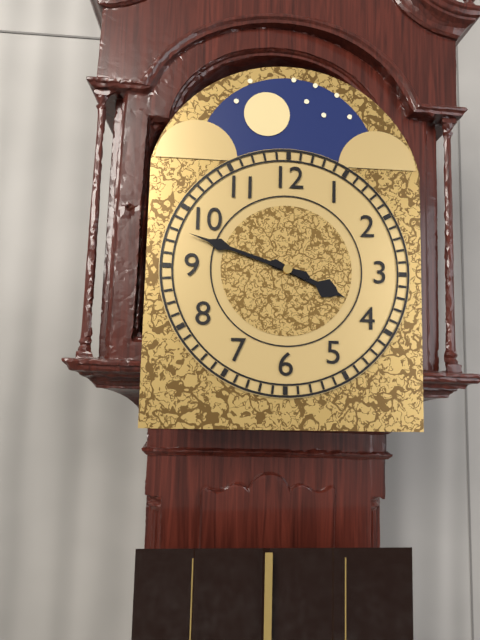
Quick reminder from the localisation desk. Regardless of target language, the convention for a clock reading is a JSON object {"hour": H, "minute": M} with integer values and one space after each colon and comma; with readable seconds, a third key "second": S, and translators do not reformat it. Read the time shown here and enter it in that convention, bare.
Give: {"hour": 3, "minute": 48}
